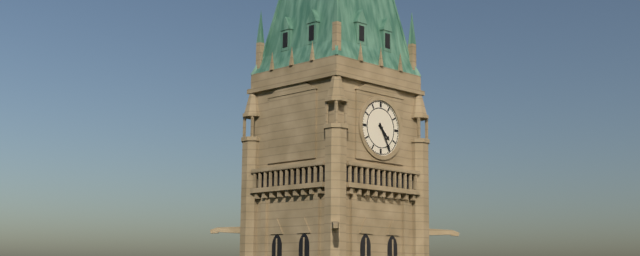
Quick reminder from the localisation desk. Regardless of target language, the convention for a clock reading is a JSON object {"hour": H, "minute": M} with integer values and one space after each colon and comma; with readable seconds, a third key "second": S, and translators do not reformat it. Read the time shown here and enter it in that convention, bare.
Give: {"hour": 4, "minute": 25}
